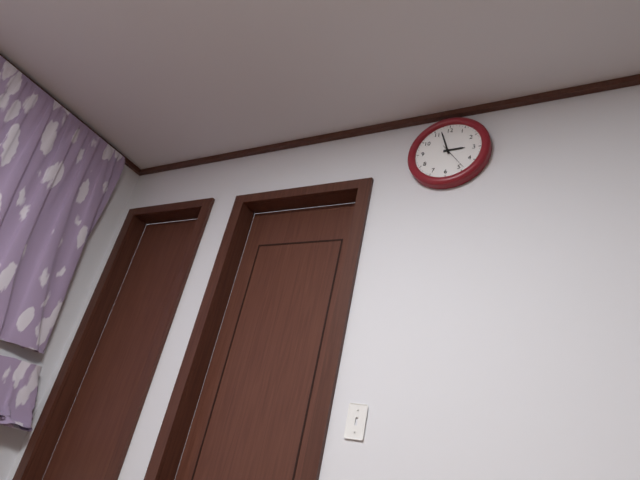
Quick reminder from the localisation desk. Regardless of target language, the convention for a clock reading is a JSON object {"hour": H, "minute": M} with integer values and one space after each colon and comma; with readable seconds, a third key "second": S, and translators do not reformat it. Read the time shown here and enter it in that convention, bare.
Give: {"hour": 2, "minute": 57}
